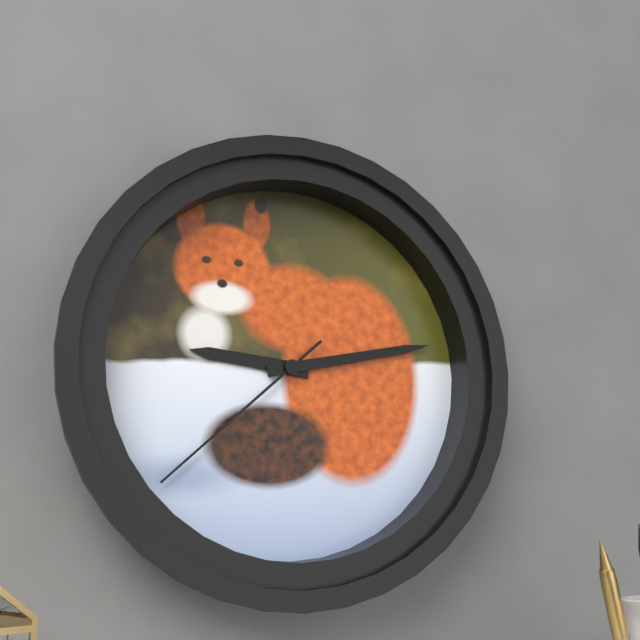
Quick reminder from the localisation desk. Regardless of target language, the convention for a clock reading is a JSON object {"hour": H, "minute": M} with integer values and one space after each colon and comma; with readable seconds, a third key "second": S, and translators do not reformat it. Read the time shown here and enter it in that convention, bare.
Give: {"hour": 9, "minute": 13, "second": 38}
